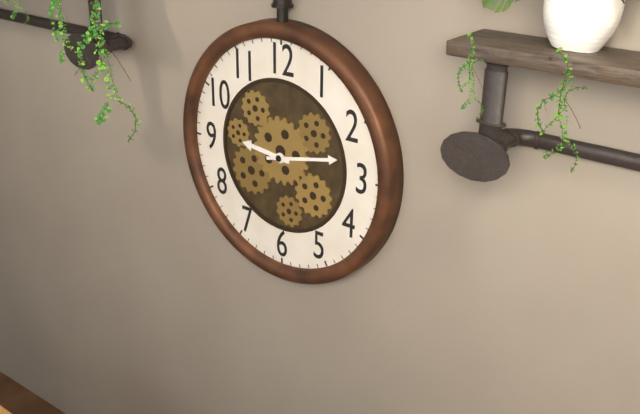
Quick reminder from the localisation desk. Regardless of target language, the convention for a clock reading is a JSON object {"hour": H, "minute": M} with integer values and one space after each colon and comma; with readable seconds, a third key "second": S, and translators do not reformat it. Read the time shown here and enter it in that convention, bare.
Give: {"hour": 9, "minute": 13}
